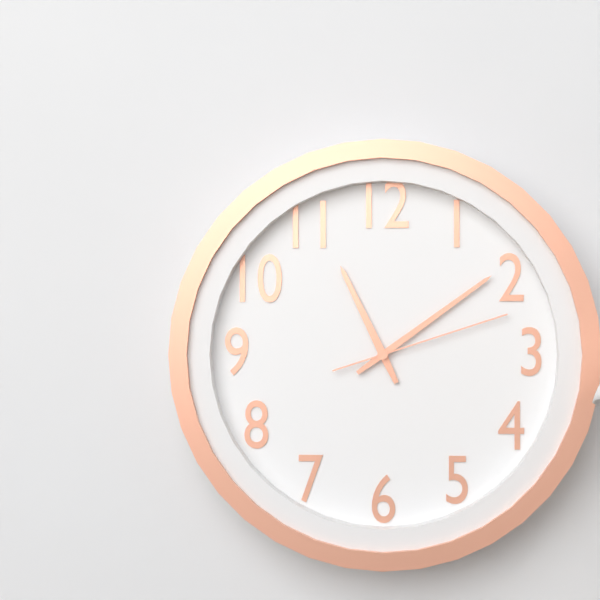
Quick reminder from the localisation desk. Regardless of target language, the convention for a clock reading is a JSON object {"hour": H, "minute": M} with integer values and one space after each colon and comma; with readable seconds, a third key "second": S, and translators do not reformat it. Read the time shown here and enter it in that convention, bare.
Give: {"hour": 11, "minute": 9, "second": 12}
